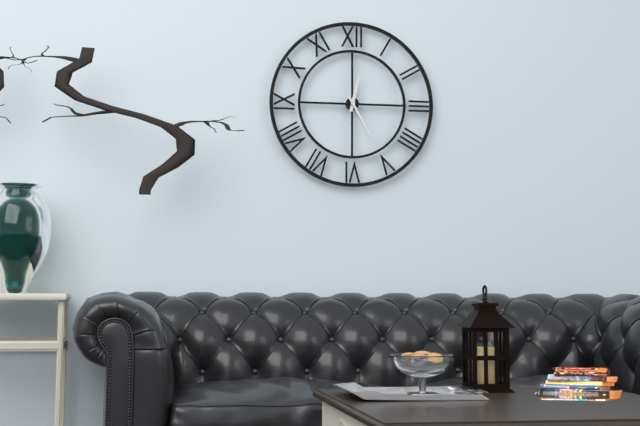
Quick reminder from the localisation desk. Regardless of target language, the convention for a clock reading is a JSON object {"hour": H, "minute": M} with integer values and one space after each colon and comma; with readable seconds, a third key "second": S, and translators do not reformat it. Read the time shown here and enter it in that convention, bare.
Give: {"hour": 12, "minute": 25}
